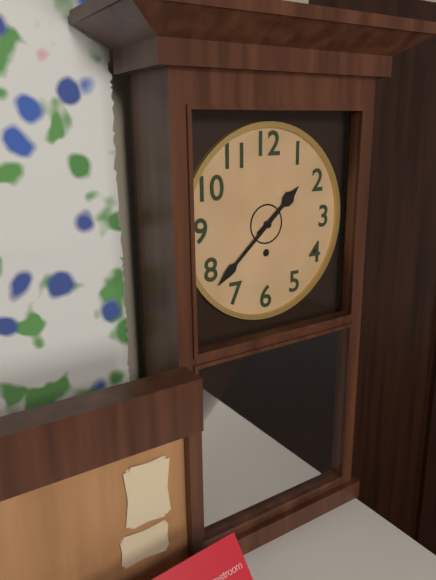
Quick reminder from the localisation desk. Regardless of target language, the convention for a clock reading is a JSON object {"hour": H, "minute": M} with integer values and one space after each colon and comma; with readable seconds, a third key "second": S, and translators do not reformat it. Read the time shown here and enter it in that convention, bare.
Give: {"hour": 1, "minute": 38}
